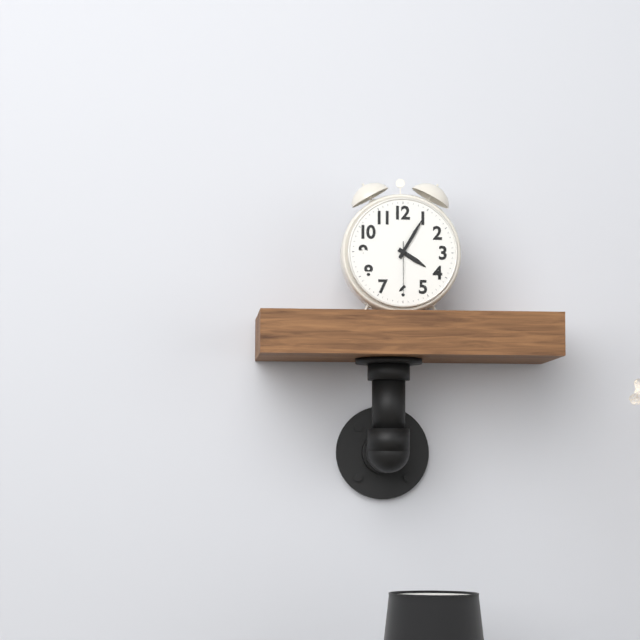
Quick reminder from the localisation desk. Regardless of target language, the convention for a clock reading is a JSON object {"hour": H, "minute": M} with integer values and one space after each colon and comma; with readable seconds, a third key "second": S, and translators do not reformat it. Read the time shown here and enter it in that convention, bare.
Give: {"hour": 4, "minute": 5, "second": 30}
